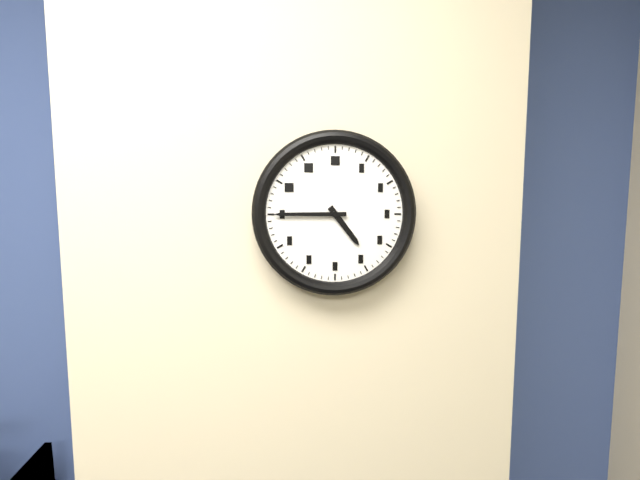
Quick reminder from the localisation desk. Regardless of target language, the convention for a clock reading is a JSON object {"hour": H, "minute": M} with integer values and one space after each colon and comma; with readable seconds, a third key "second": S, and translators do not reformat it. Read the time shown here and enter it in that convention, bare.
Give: {"hour": 4, "minute": 45}
